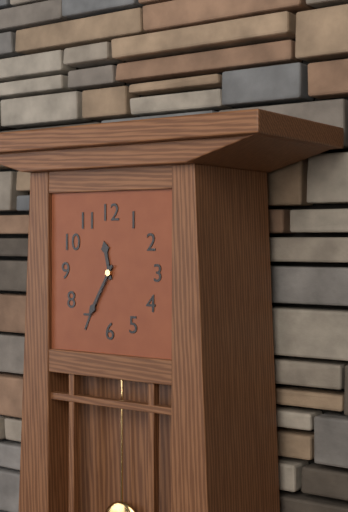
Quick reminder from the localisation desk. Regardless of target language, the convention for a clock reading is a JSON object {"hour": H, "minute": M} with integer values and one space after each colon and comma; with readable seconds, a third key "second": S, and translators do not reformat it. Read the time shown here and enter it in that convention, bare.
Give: {"hour": 11, "minute": 35}
